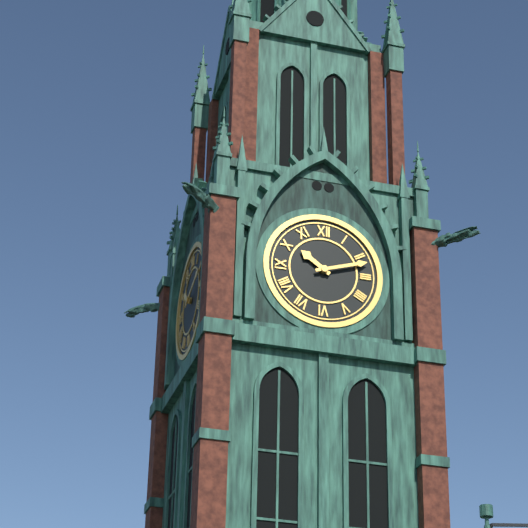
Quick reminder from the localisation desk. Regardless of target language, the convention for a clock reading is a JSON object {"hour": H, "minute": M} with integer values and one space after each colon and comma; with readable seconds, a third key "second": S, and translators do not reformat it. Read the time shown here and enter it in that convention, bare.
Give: {"hour": 10, "minute": 12}
